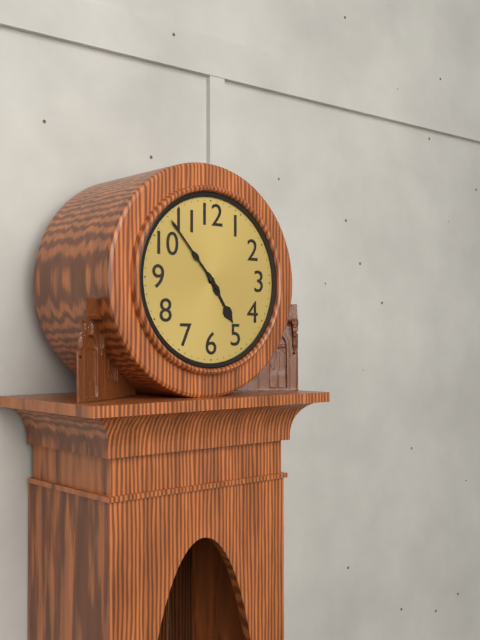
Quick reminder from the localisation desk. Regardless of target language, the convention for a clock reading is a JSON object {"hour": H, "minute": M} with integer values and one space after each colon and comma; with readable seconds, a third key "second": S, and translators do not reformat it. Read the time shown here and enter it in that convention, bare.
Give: {"hour": 4, "minute": 53}
